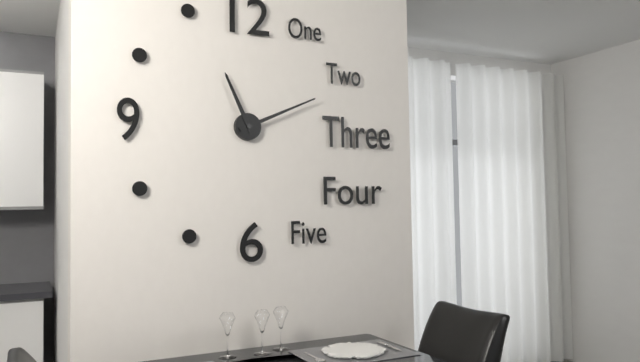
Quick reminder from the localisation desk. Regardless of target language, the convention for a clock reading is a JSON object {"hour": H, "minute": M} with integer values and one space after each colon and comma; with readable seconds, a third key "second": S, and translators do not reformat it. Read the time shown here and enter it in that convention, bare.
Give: {"hour": 11, "minute": 11}
